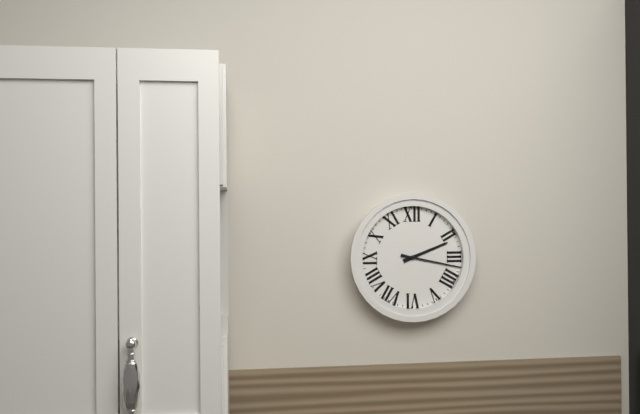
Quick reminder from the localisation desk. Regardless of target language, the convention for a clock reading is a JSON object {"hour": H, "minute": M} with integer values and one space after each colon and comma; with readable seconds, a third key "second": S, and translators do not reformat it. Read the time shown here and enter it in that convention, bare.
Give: {"hour": 2, "minute": 17}
